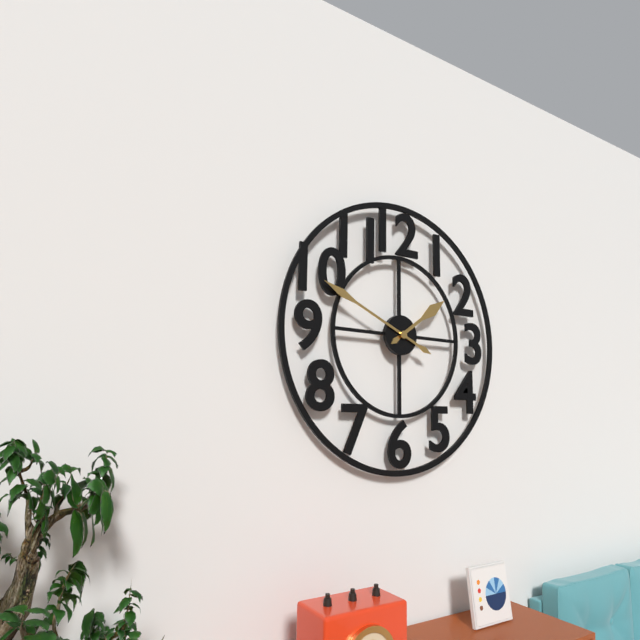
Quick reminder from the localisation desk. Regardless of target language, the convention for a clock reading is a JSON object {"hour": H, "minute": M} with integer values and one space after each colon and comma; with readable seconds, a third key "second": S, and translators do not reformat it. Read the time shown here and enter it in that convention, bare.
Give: {"hour": 1, "minute": 49}
